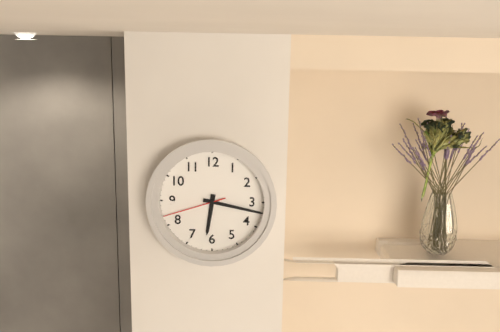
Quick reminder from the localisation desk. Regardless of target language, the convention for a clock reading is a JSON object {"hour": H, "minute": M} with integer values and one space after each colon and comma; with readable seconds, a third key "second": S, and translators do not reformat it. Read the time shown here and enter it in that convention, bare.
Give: {"hour": 6, "minute": 17, "second": 42}
